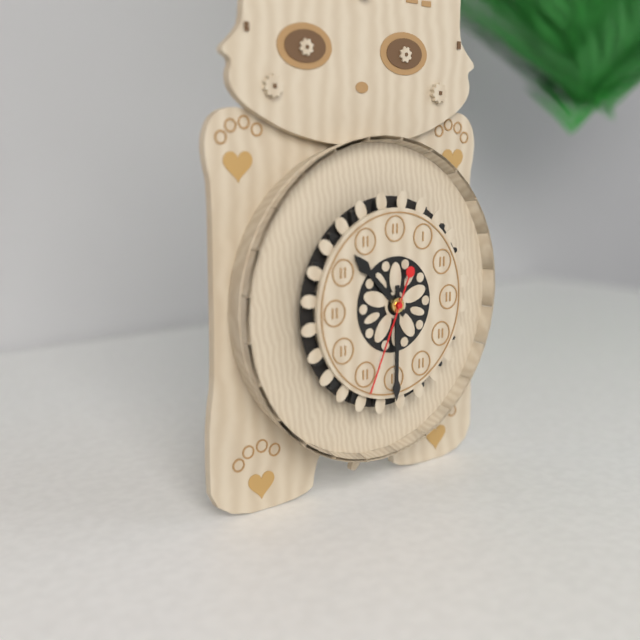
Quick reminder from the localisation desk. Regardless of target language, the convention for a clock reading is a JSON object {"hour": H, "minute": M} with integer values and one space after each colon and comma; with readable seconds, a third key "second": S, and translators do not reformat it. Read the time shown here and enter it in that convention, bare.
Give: {"hour": 10, "minute": 30, "second": 34}
